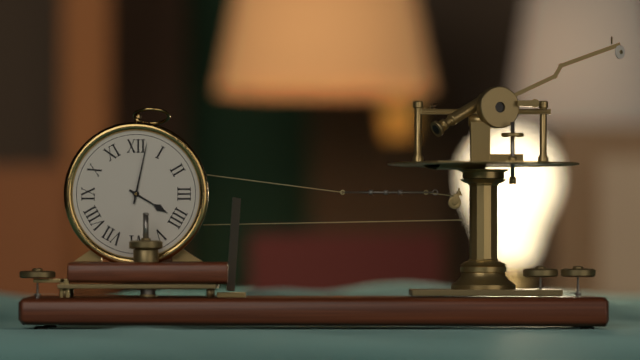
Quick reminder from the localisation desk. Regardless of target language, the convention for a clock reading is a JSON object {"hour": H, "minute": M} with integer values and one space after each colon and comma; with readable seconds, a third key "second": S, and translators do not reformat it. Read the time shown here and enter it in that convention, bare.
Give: {"hour": 4, "minute": 2}
